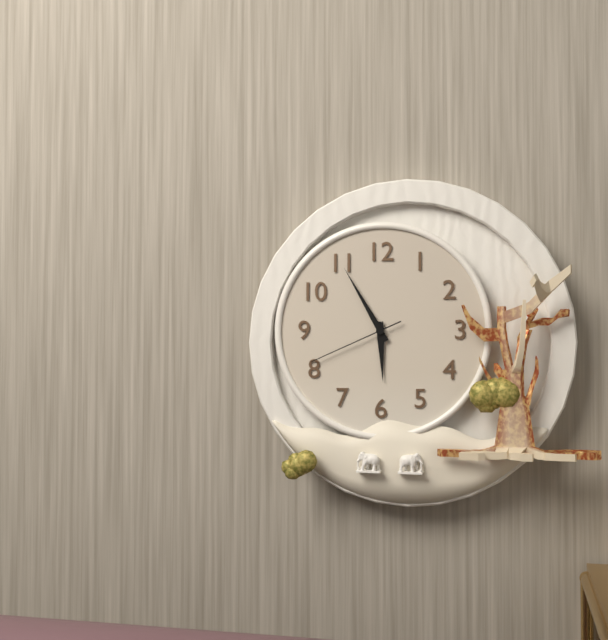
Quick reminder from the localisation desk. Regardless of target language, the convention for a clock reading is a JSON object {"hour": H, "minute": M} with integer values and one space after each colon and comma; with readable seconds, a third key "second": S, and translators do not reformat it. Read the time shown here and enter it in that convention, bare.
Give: {"hour": 5, "minute": 55, "second": 41}
